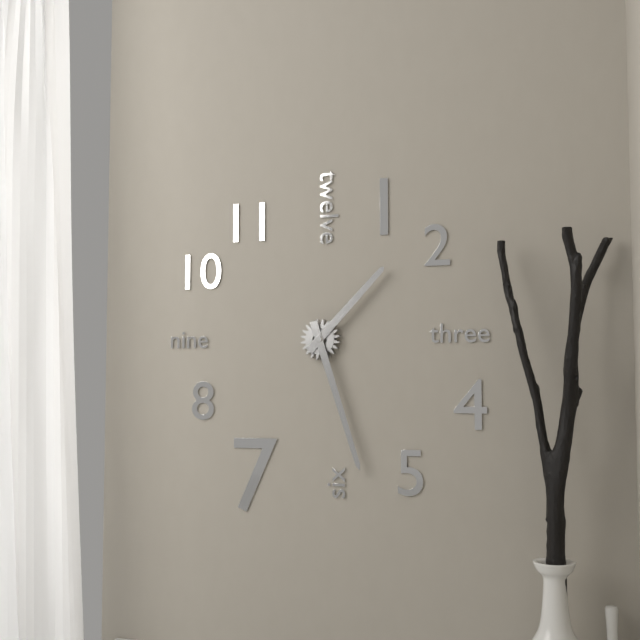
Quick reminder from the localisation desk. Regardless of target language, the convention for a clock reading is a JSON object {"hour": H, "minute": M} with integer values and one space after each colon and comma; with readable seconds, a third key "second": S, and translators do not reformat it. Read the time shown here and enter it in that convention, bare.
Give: {"hour": 1, "minute": 27}
